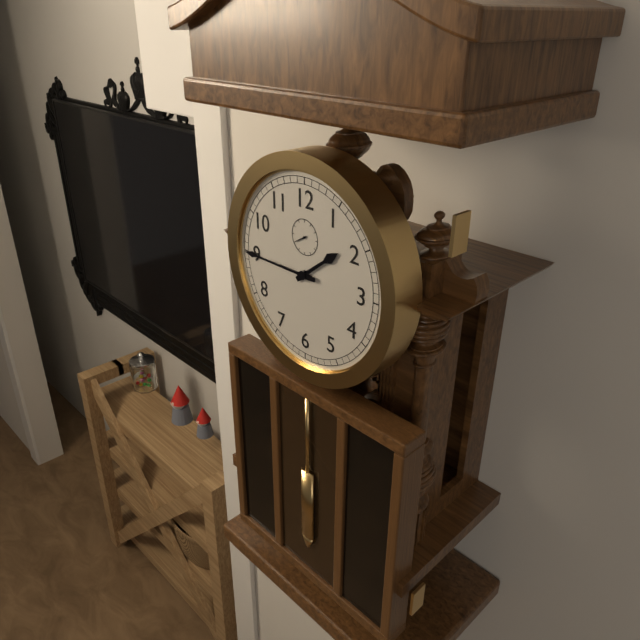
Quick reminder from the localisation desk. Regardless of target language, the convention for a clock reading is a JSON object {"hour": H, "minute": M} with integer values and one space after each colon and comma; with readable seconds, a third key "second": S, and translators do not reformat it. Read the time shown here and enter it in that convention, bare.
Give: {"hour": 1, "minute": 45}
